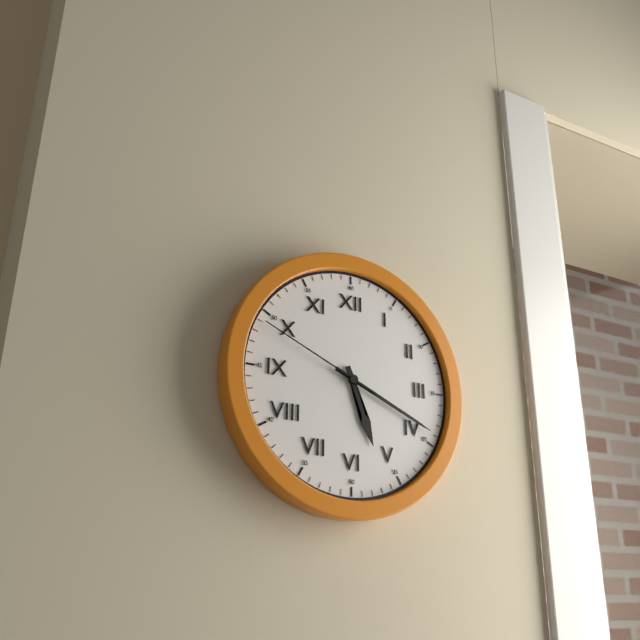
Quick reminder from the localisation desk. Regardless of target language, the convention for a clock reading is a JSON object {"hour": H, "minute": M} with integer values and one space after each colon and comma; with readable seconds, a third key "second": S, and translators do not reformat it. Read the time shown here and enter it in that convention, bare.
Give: {"hour": 5, "minute": 19, "second": 49}
